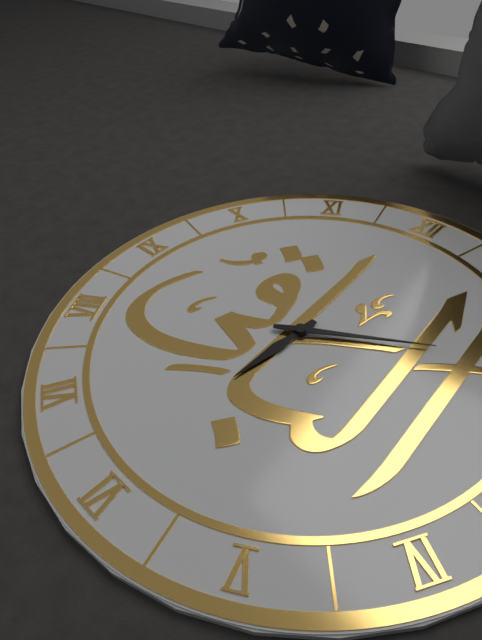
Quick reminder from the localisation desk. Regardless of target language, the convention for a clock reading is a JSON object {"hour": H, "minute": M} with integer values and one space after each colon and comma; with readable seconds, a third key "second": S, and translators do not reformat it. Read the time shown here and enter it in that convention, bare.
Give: {"hour": 6, "minute": 10}
